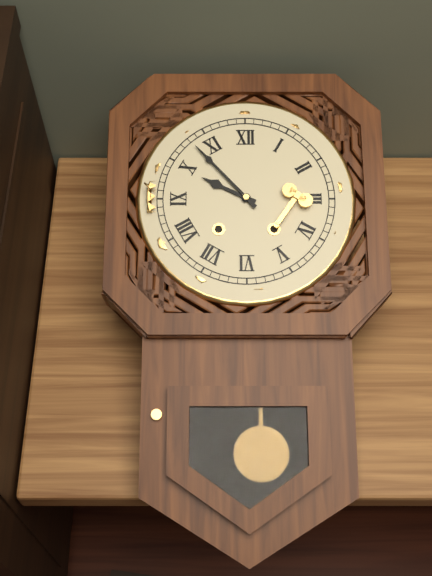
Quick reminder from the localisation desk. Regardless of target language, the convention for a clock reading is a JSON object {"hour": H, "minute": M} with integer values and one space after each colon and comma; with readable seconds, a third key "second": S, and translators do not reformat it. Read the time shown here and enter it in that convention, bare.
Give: {"hour": 9, "minute": 53}
